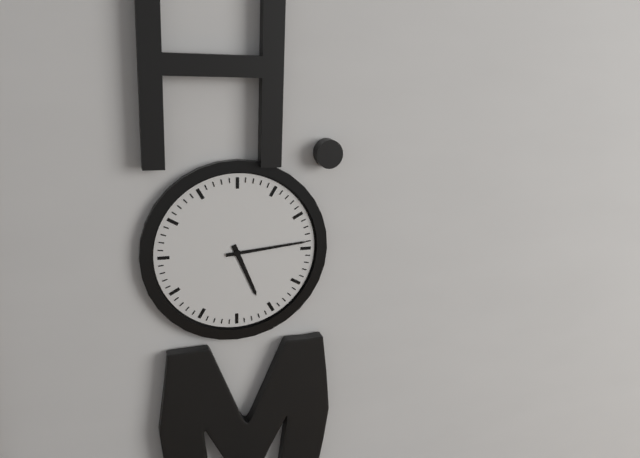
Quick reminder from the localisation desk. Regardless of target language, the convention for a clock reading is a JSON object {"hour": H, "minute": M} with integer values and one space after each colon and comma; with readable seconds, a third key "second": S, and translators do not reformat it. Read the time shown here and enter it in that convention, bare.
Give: {"hour": 5, "minute": 14}
